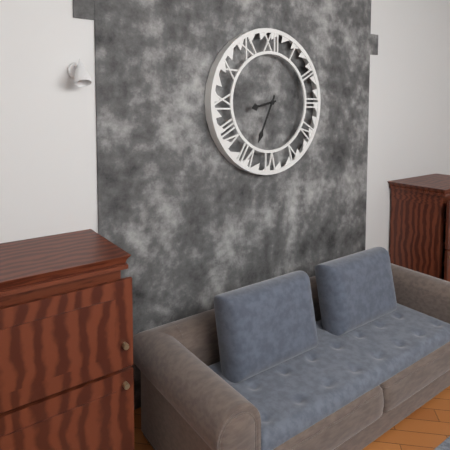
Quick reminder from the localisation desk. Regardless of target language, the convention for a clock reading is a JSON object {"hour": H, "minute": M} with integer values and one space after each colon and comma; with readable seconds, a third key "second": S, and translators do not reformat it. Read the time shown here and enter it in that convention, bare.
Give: {"hour": 8, "minute": 34}
